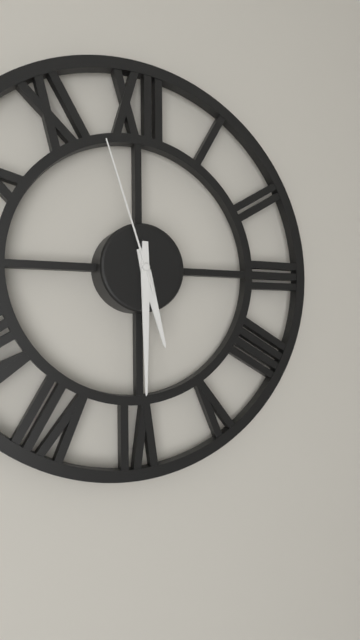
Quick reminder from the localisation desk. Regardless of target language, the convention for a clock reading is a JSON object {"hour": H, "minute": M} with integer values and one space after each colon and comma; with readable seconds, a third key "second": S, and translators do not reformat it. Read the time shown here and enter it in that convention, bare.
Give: {"hour": 5, "minute": 30, "second": 57}
